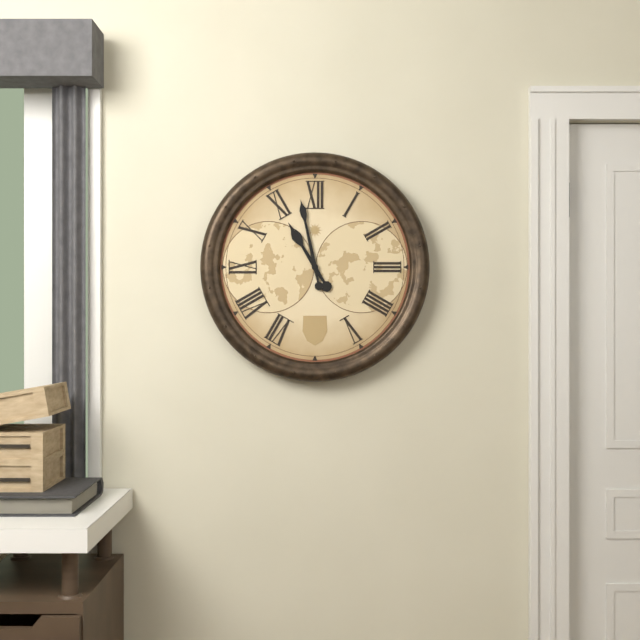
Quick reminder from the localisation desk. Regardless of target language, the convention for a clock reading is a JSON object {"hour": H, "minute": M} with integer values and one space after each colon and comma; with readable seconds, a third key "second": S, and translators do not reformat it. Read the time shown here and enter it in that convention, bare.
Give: {"hour": 10, "minute": 58}
